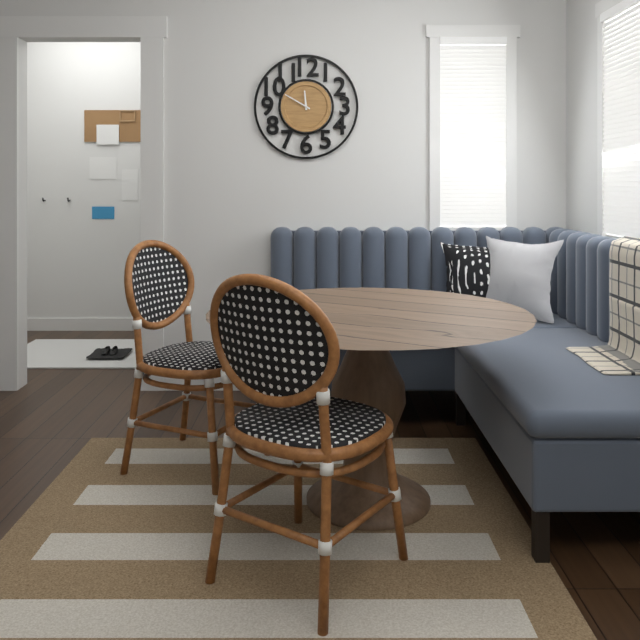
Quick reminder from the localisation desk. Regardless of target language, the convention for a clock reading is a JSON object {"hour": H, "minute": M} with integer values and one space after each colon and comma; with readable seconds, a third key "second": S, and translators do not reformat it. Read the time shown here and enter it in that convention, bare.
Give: {"hour": 11, "minute": 50}
